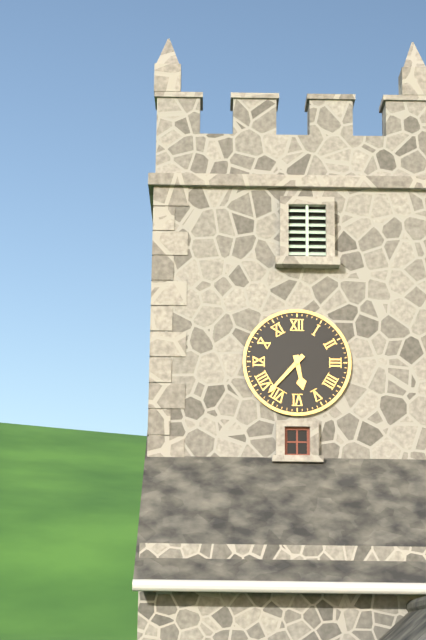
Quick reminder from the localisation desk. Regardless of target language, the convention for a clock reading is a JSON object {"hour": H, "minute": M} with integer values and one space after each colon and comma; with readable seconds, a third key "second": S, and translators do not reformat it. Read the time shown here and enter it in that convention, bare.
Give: {"hour": 5, "minute": 37}
